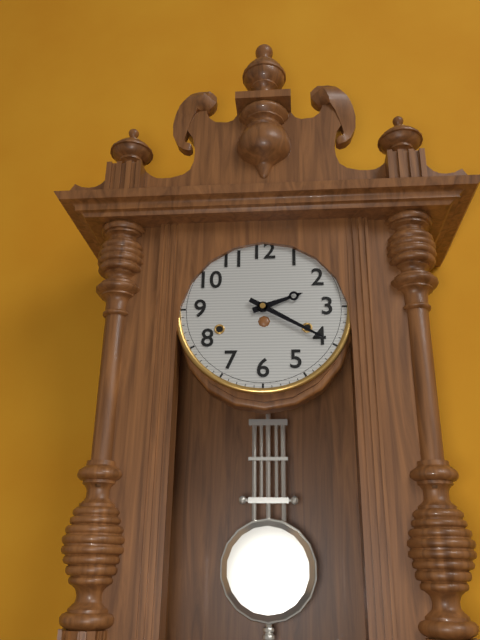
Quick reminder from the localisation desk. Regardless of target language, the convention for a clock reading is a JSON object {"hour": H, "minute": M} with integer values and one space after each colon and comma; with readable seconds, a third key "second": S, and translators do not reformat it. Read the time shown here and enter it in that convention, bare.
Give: {"hour": 2, "minute": 20}
